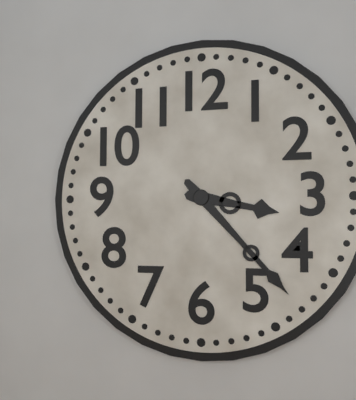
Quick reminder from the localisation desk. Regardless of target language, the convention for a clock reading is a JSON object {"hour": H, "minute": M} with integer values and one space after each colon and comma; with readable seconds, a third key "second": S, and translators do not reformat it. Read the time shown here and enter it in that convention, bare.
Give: {"hour": 3, "minute": 23}
